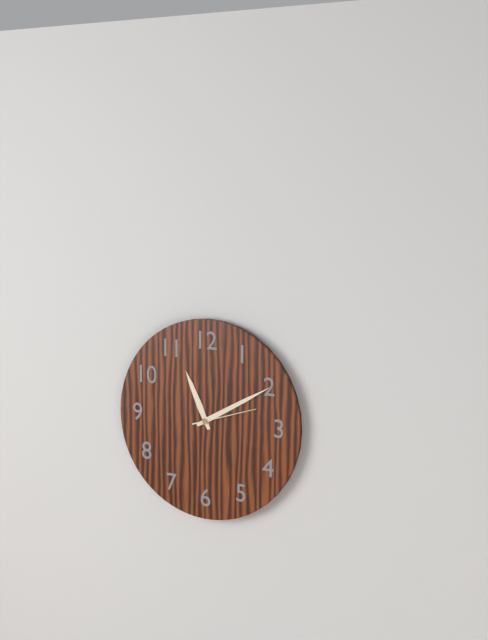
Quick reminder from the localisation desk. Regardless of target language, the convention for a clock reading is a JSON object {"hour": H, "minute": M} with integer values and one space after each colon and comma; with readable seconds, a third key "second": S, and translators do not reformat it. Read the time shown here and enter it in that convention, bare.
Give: {"hour": 11, "minute": 10, "second": 12}
